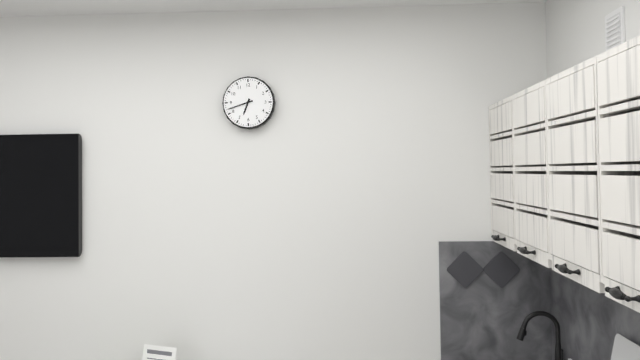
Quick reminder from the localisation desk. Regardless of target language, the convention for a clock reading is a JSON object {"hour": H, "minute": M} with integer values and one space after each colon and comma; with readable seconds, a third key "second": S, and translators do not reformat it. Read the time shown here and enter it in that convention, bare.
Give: {"hour": 6, "minute": 42}
